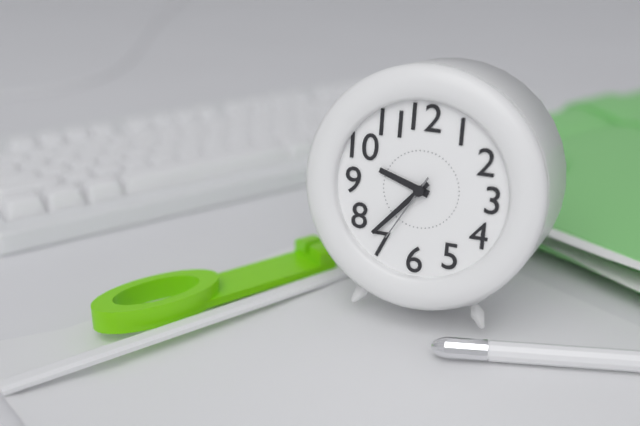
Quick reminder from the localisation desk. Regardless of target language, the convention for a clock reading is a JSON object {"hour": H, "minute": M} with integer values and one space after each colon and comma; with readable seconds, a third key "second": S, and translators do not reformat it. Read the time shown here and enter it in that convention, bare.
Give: {"hour": 9, "minute": 37, "second": 35}
